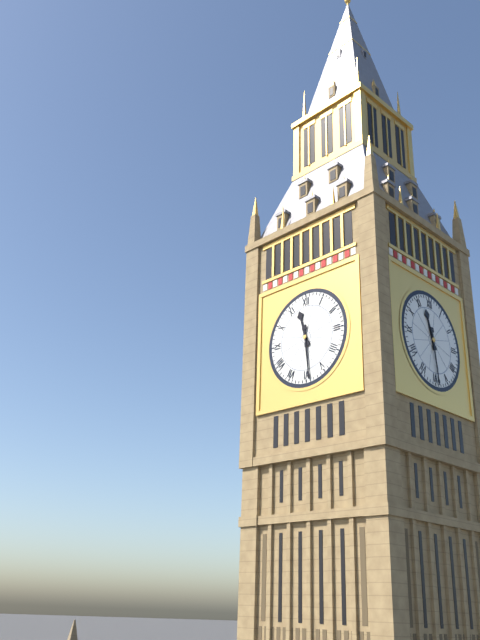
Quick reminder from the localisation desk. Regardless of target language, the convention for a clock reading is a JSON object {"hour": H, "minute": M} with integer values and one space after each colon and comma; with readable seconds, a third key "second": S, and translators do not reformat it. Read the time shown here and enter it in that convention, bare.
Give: {"hour": 11, "minute": 29}
